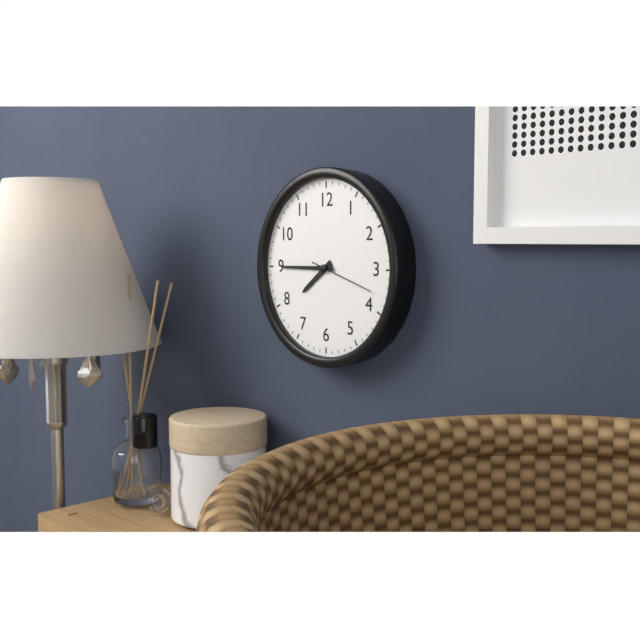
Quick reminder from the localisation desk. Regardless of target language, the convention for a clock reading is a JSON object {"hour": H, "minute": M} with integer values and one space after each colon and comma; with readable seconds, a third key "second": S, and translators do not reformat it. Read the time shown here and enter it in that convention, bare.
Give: {"hour": 7, "minute": 45, "second": 18}
